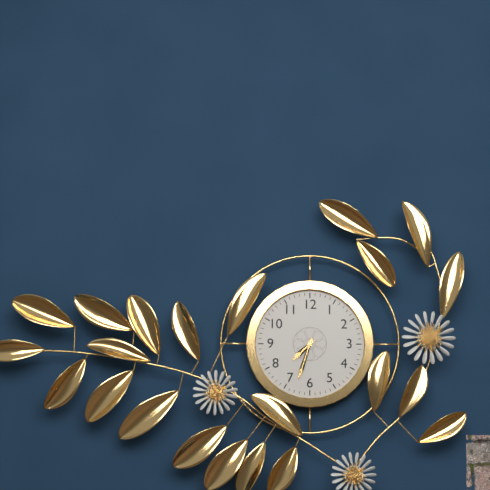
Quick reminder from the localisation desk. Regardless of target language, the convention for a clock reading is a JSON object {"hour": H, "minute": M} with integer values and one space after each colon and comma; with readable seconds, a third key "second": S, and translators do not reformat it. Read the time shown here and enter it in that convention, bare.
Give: {"hour": 7, "minute": 33}
